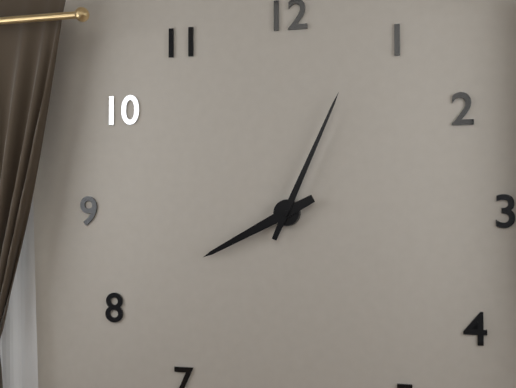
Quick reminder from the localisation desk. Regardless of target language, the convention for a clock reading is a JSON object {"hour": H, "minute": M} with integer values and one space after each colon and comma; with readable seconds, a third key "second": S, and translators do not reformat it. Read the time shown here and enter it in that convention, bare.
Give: {"hour": 8, "minute": 4}
